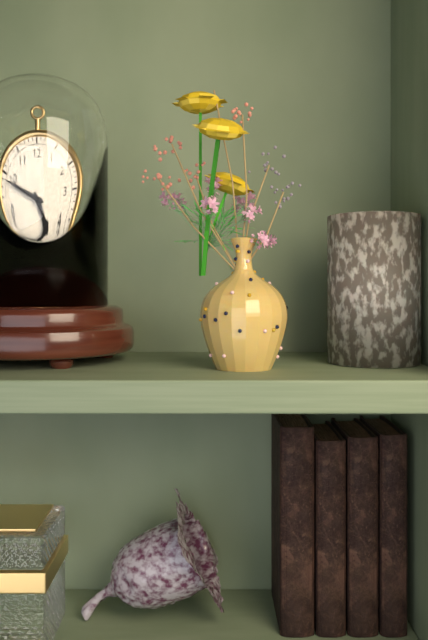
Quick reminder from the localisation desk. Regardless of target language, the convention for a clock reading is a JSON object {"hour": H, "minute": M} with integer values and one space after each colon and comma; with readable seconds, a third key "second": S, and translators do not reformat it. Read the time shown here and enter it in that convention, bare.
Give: {"hour": 4, "minute": 49}
